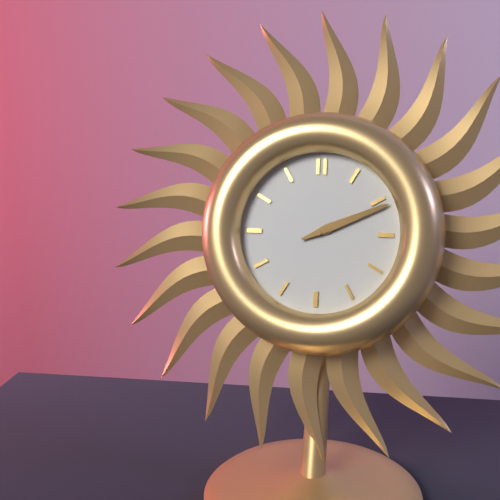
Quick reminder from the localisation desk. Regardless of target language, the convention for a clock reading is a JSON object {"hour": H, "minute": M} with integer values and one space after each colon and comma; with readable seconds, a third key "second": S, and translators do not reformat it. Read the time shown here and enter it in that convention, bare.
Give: {"hour": 2, "minute": 11}
